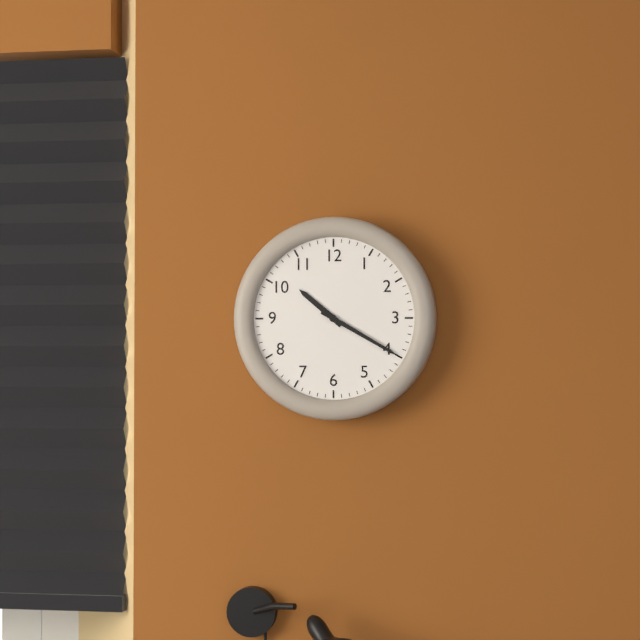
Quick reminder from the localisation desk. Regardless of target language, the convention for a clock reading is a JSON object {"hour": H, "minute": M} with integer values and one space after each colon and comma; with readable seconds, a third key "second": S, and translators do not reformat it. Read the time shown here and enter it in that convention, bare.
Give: {"hour": 10, "minute": 20}
